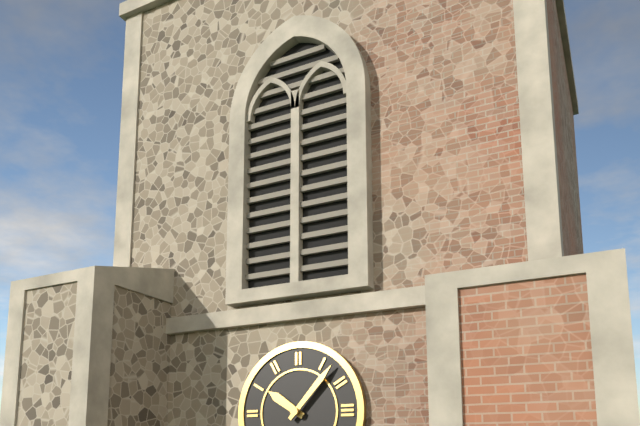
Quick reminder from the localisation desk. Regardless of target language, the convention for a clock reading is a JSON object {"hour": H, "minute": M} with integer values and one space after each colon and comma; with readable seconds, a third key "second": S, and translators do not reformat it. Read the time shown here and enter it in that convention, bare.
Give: {"hour": 10, "minute": 7}
